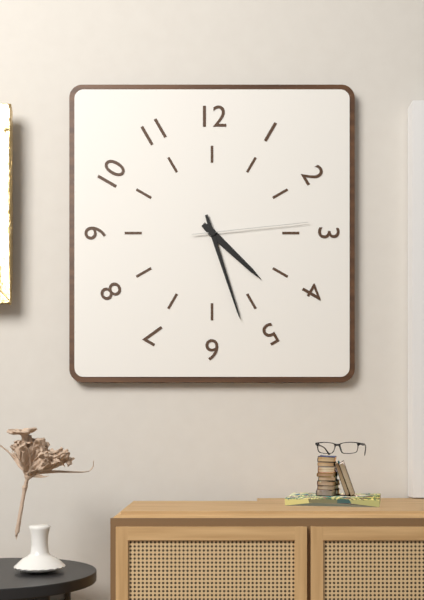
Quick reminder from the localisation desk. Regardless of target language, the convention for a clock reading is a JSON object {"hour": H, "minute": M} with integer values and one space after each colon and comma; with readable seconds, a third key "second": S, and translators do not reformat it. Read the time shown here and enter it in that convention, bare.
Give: {"hour": 4, "minute": 27, "second": 14}
